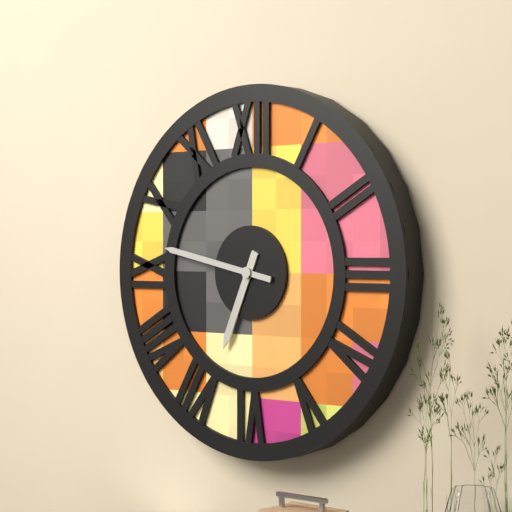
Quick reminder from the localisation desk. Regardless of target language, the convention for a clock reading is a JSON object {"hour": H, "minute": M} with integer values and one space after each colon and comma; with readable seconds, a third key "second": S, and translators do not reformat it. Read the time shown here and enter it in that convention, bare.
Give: {"hour": 6, "minute": 47}
